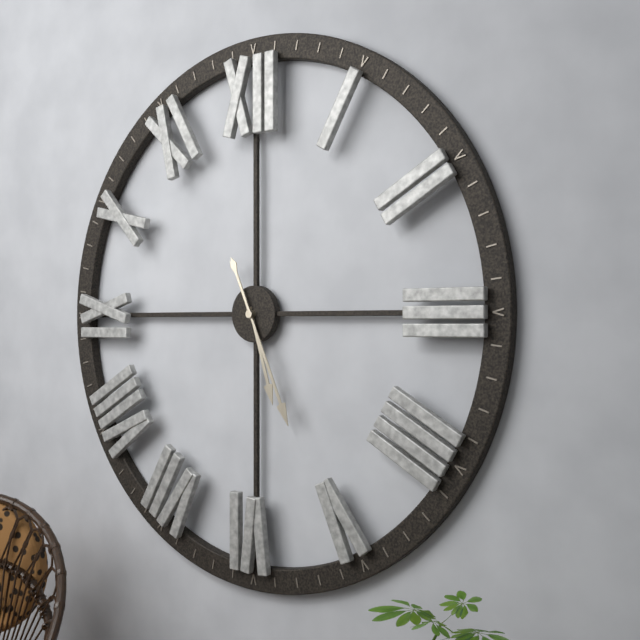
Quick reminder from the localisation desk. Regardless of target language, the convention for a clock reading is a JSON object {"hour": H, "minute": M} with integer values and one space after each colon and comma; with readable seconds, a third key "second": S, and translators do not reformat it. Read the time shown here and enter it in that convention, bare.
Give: {"hour": 5, "minute": 26}
